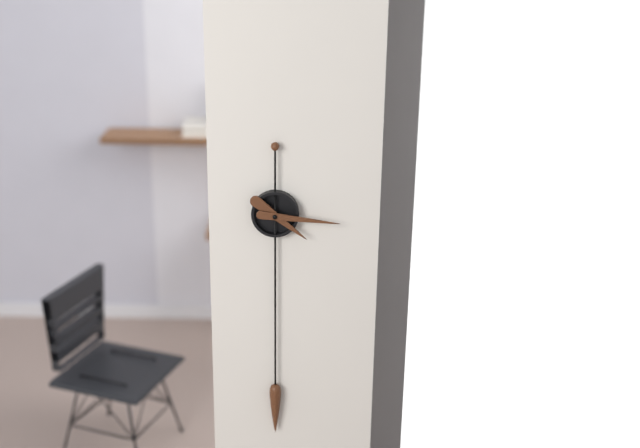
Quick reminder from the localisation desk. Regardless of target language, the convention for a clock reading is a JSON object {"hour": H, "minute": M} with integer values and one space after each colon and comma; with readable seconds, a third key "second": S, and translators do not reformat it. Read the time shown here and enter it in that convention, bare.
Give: {"hour": 4, "minute": 16}
